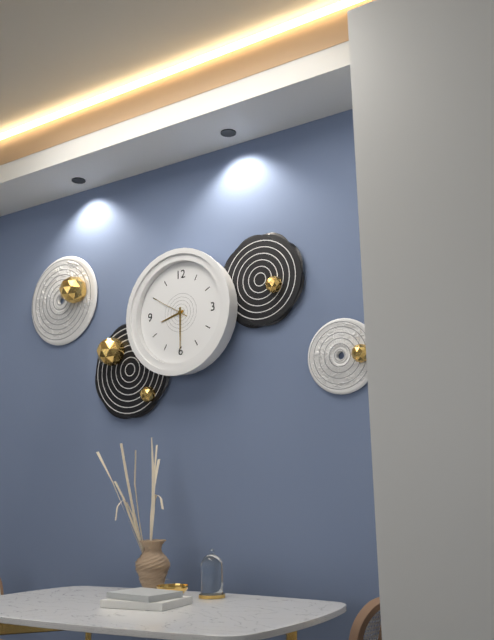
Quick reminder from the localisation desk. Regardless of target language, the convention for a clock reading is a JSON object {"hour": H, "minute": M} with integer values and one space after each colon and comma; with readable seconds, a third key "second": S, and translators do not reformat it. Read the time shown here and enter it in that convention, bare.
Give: {"hour": 8, "minute": 30}
